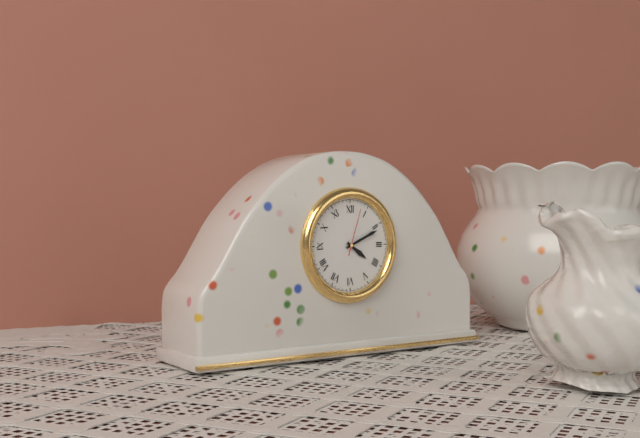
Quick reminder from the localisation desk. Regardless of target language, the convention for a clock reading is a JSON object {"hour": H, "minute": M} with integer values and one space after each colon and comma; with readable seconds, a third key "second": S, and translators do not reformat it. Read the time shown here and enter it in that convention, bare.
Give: {"hour": 4, "minute": 11}
